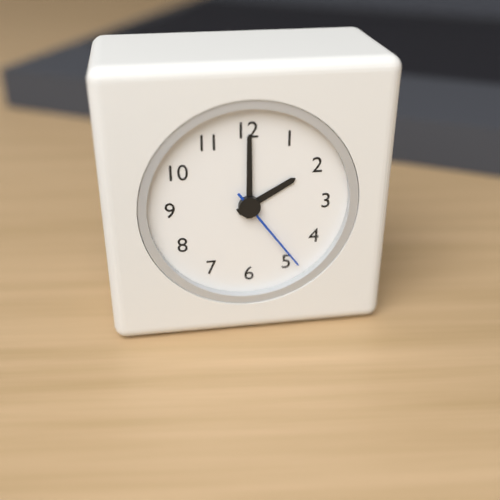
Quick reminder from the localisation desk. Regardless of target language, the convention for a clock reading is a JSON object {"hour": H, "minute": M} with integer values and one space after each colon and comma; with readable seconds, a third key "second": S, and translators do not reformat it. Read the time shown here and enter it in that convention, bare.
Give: {"hour": 2, "minute": 0, "second": 24}
